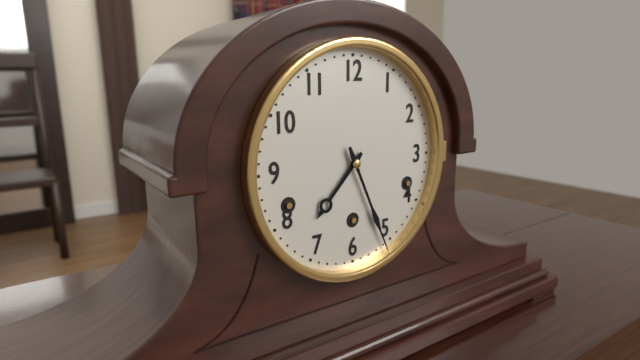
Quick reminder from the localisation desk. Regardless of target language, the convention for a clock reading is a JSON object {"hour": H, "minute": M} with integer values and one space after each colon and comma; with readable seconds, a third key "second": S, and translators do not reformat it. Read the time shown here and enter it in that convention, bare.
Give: {"hour": 7, "minute": 26}
